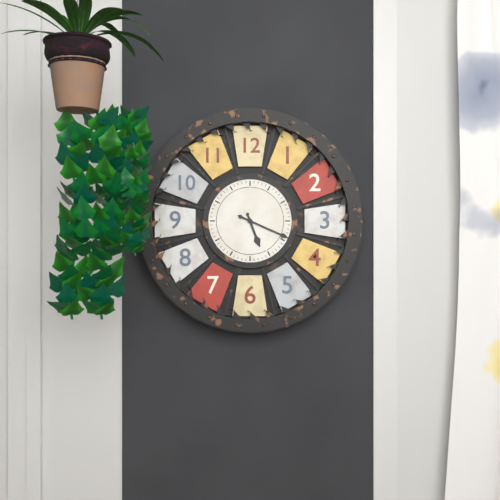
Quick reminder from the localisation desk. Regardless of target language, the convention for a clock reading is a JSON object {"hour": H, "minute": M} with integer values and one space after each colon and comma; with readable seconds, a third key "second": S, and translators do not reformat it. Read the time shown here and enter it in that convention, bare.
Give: {"hour": 5, "minute": 19}
